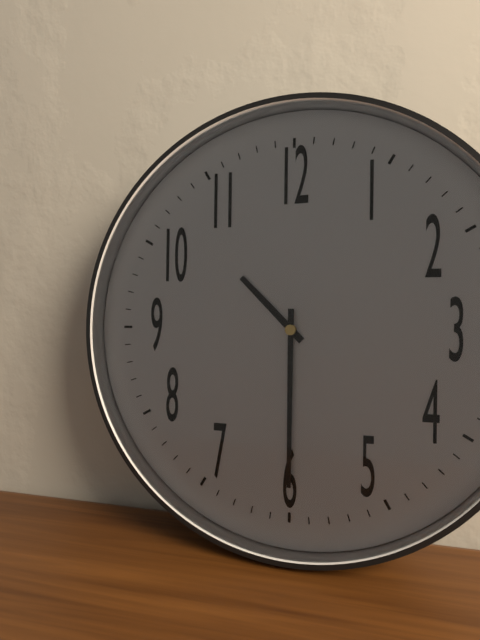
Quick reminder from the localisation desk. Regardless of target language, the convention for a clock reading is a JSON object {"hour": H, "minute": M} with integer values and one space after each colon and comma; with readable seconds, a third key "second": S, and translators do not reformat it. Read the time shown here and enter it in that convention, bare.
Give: {"hour": 10, "minute": 30}
